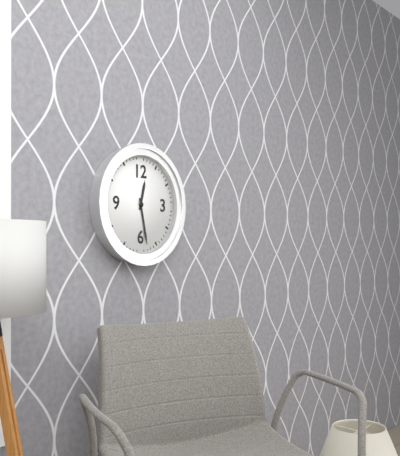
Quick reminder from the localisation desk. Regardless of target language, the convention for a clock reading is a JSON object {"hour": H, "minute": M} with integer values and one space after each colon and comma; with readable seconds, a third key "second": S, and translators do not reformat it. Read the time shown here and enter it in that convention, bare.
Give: {"hour": 12, "minute": 28}
